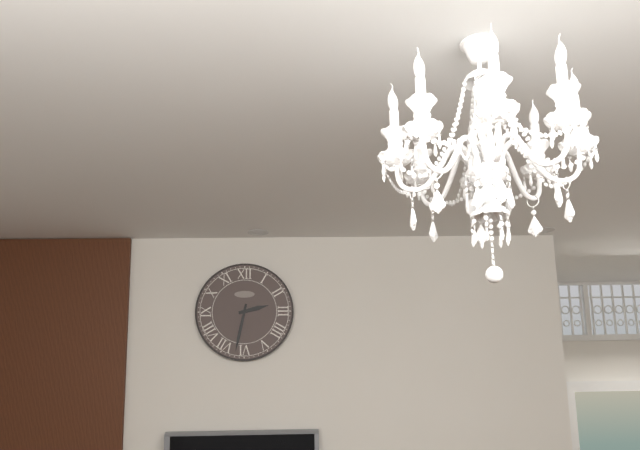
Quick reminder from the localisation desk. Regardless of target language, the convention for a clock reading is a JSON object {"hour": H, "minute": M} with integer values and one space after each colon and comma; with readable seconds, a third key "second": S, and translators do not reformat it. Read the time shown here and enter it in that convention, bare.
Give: {"hour": 2, "minute": 32}
